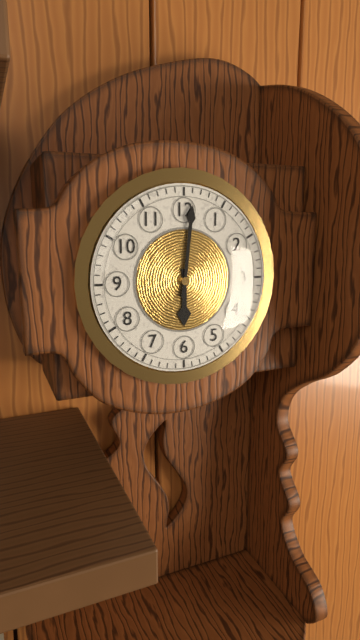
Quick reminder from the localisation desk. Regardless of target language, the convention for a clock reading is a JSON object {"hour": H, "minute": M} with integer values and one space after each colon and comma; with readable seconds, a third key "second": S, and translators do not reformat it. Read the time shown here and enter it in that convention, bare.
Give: {"hour": 6, "minute": 1}
